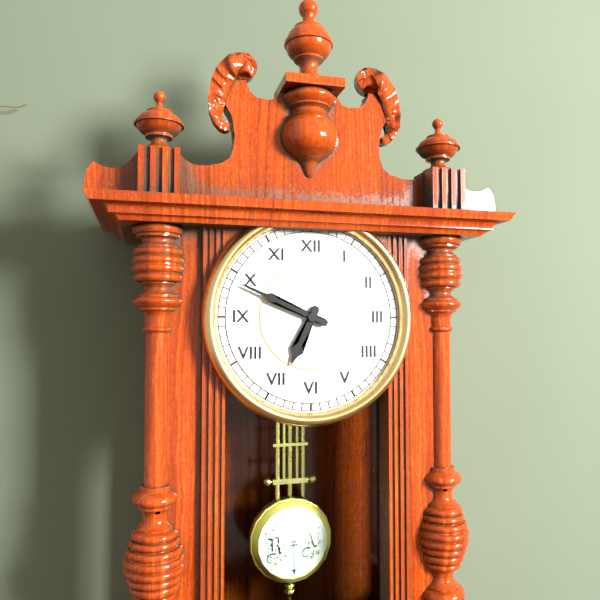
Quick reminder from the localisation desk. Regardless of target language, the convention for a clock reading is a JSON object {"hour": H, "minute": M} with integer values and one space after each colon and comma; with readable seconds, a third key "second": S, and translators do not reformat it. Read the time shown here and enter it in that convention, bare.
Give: {"hour": 6, "minute": 49}
